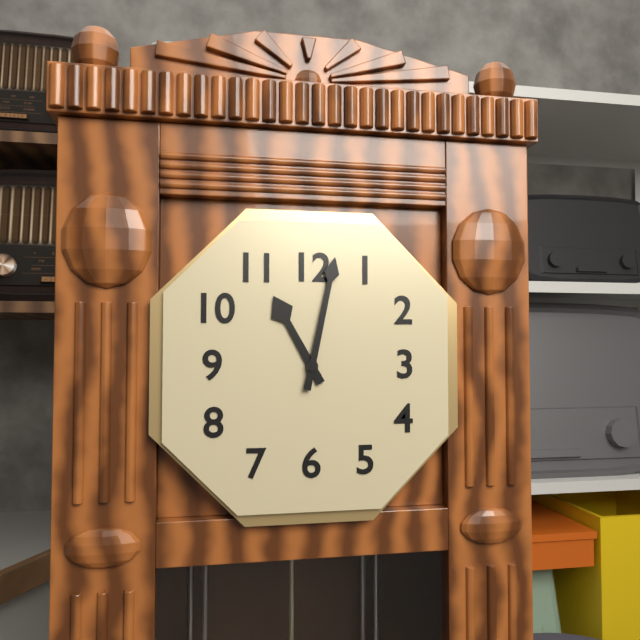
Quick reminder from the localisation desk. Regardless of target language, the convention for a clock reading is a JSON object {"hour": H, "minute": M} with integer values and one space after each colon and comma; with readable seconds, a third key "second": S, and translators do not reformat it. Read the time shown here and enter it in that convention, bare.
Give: {"hour": 11, "minute": 2}
